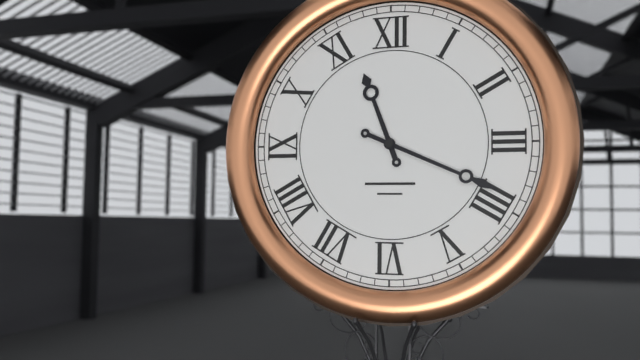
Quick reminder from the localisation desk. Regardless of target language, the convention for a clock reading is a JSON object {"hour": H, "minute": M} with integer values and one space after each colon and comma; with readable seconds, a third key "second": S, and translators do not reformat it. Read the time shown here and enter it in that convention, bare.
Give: {"hour": 11, "minute": 19}
